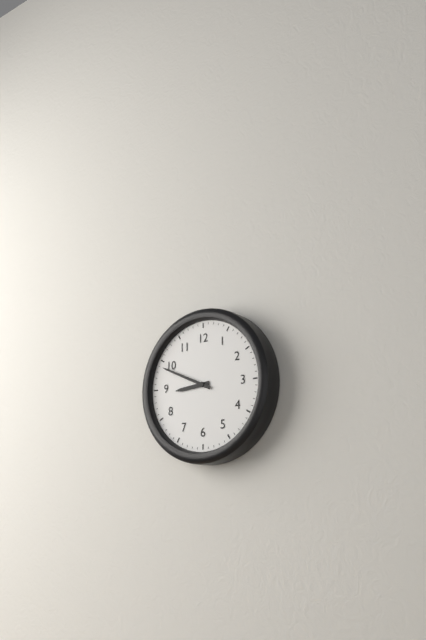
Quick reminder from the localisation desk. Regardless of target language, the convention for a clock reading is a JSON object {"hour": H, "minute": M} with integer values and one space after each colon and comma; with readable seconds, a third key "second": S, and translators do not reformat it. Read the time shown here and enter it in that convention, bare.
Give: {"hour": 8, "minute": 49}
